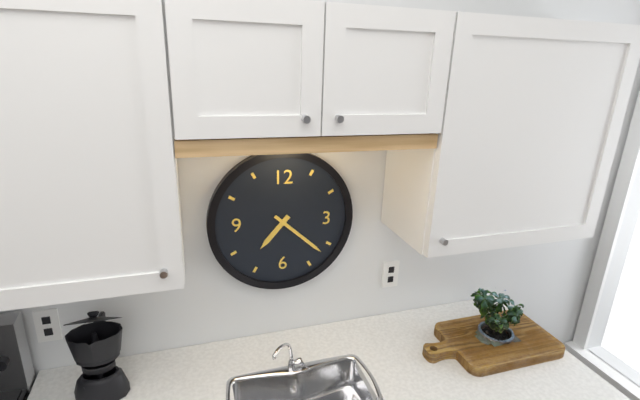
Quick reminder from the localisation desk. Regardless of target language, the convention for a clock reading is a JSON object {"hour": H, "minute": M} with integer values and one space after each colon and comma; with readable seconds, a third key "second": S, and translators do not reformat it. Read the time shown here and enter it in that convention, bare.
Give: {"hour": 7, "minute": 22}
